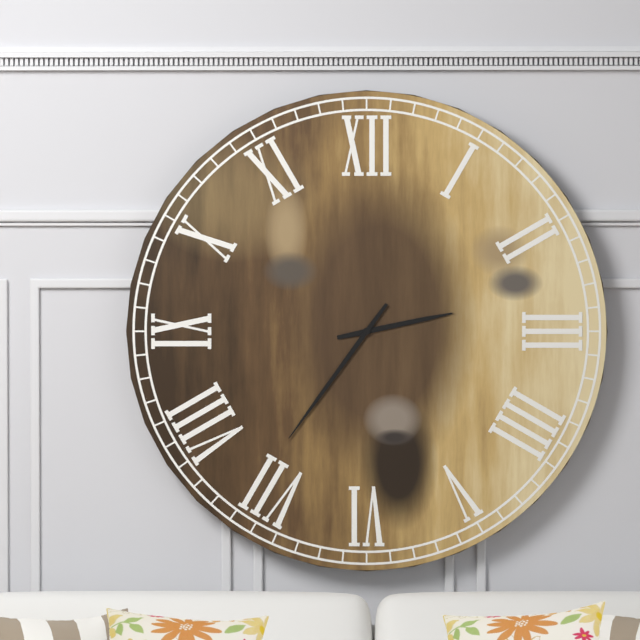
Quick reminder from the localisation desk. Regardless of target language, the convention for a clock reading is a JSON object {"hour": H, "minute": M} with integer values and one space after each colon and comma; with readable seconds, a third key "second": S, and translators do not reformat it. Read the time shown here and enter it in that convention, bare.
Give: {"hour": 2, "minute": 36}
